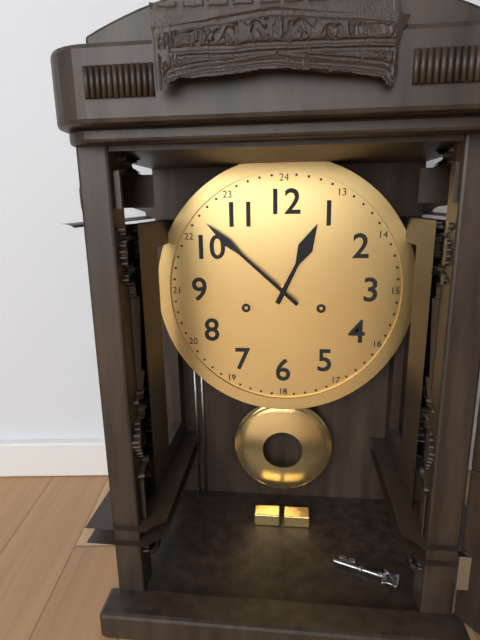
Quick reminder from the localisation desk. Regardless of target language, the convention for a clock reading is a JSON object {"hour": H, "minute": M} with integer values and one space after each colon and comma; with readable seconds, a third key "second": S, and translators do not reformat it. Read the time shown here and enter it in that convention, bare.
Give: {"hour": 12, "minute": 52}
